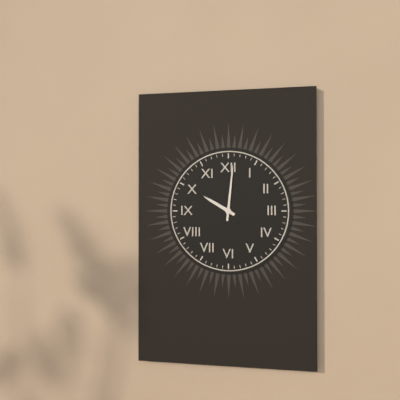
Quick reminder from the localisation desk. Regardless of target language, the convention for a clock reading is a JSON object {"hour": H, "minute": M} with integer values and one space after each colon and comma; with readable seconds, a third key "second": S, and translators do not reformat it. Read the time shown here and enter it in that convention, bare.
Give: {"hour": 10, "minute": 1}
